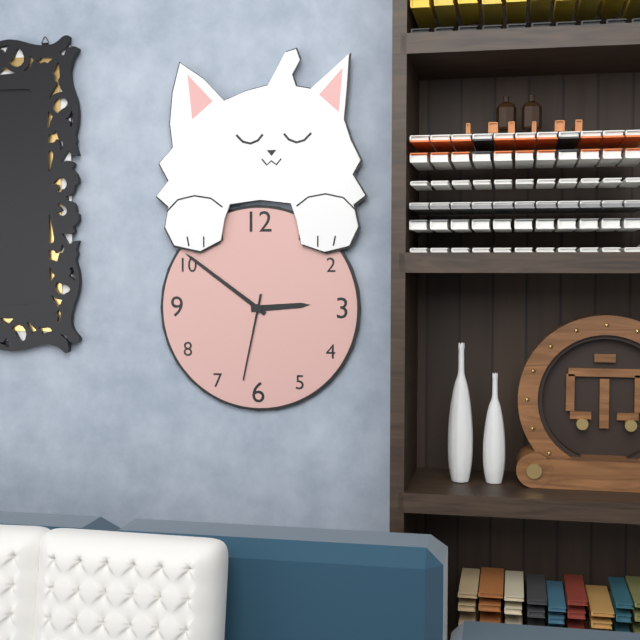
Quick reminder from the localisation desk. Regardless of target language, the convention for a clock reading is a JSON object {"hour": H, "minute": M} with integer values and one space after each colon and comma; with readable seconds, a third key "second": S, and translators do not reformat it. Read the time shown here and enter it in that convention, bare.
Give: {"hour": 2, "minute": 51, "second": 32}
